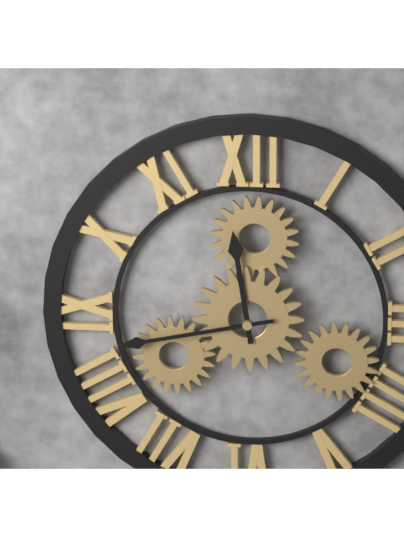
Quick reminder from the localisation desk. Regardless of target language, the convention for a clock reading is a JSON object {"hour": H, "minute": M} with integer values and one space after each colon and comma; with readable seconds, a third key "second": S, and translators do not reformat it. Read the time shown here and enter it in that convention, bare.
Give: {"hour": 11, "minute": 43}
